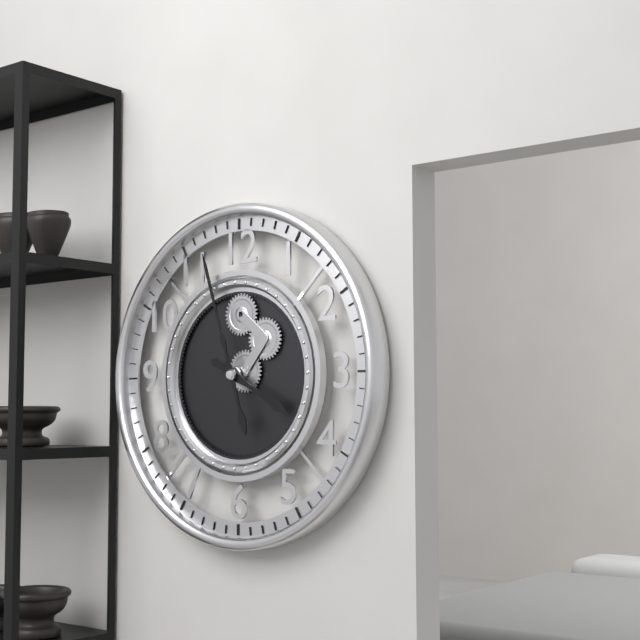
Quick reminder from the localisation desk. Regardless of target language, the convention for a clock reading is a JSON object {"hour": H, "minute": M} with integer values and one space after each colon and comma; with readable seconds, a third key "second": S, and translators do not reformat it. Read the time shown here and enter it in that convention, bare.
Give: {"hour": 3, "minute": 57}
